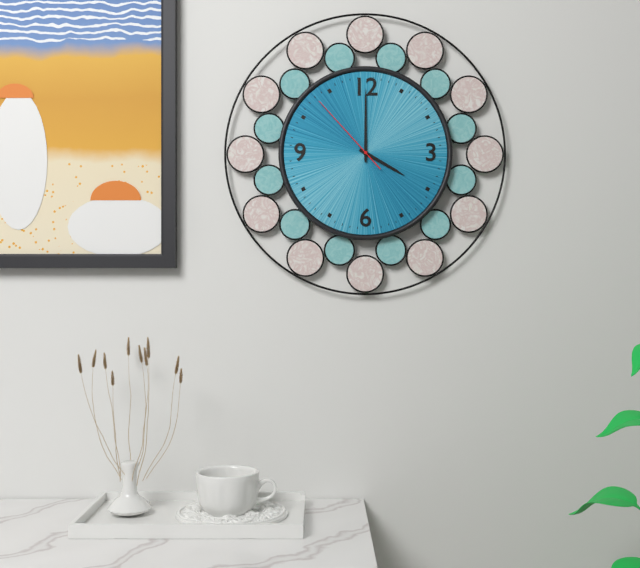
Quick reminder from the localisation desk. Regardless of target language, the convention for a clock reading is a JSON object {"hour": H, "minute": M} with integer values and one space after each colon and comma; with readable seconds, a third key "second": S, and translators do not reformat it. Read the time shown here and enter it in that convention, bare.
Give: {"hour": 4, "minute": 0, "second": 53}
